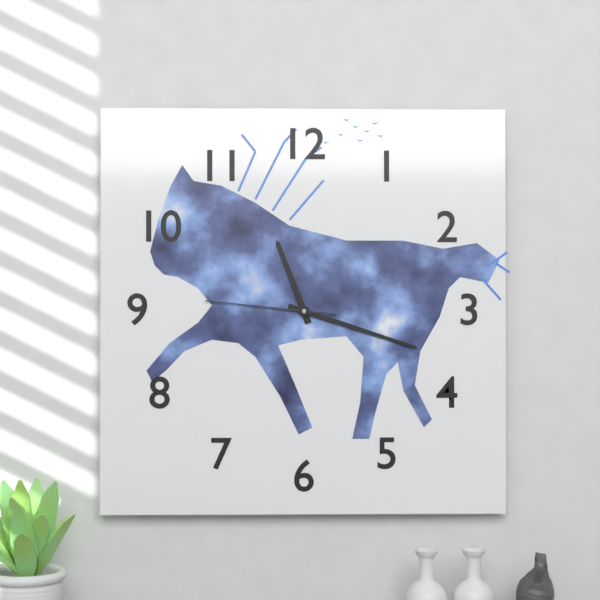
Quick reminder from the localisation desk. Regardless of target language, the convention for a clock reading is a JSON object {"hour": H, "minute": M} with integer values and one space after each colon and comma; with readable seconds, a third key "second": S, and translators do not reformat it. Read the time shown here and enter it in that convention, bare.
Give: {"hour": 11, "minute": 18, "second": 46}
